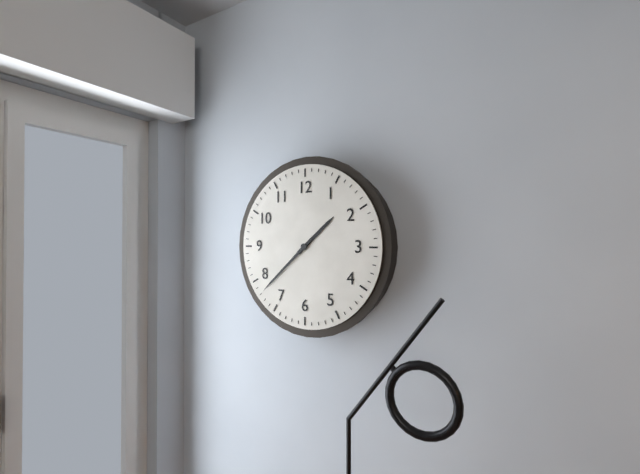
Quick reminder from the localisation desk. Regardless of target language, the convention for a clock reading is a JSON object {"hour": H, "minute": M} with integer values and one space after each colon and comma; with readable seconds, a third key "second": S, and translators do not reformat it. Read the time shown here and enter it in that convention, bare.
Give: {"hour": 1, "minute": 38}
